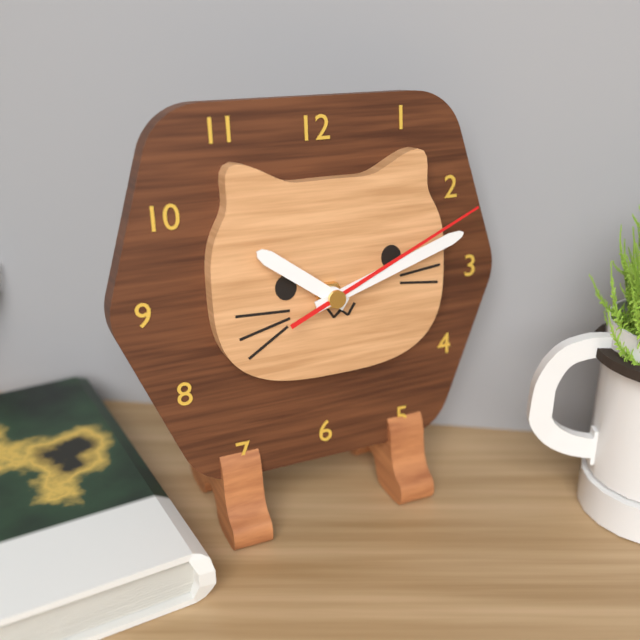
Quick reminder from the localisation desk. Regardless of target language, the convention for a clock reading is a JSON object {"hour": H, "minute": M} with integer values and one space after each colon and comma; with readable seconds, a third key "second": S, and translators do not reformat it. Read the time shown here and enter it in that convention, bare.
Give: {"hour": 10, "minute": 12, "second": 11}
